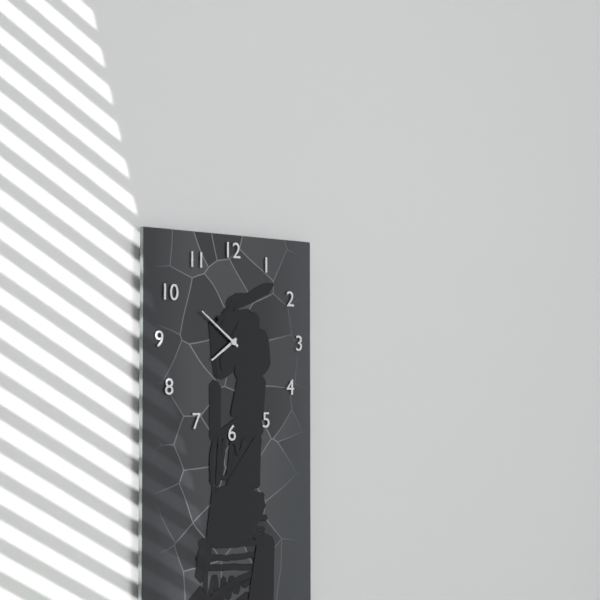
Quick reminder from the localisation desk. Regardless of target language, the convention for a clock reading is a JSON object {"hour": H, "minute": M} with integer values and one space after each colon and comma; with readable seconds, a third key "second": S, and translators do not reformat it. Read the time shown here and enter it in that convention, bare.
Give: {"hour": 7, "minute": 51}
